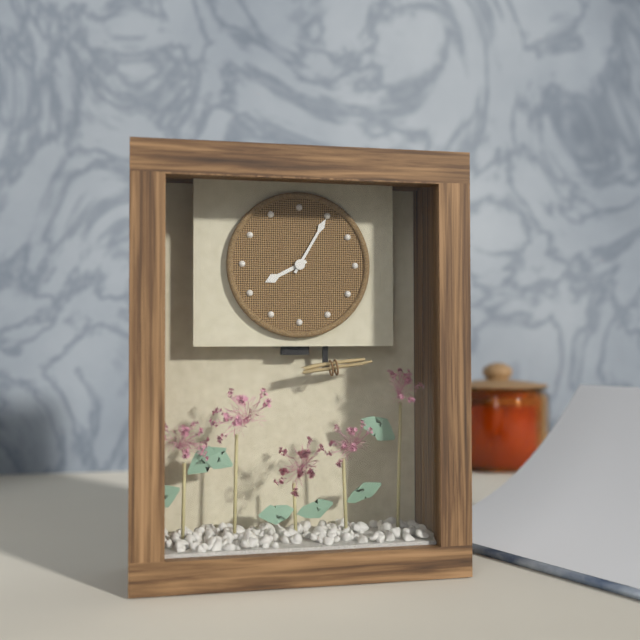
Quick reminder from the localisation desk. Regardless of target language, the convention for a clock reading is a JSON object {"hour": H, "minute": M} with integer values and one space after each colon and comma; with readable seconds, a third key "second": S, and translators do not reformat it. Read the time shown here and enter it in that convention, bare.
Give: {"hour": 8, "minute": 5}
